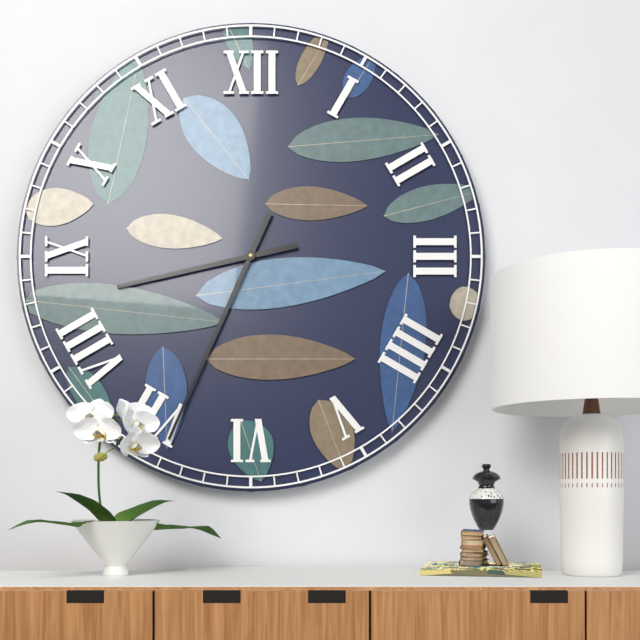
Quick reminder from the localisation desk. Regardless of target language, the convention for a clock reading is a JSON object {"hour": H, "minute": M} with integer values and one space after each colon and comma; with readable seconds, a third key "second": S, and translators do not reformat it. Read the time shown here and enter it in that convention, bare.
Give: {"hour": 8, "minute": 34}
